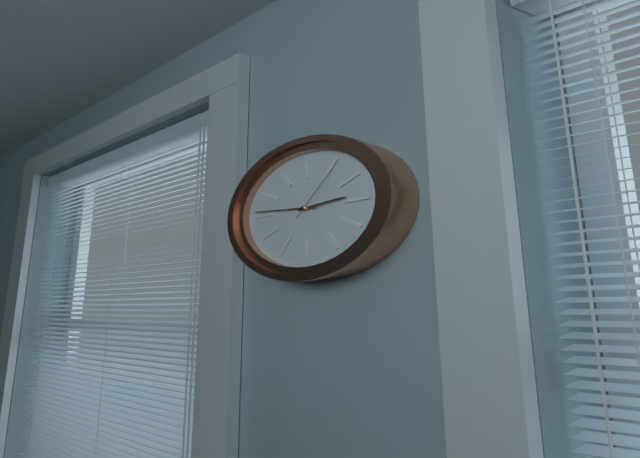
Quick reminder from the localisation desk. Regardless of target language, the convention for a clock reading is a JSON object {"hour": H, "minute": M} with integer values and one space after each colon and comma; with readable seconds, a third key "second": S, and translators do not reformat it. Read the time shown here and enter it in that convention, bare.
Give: {"hour": 2, "minute": 46, "second": 6}
